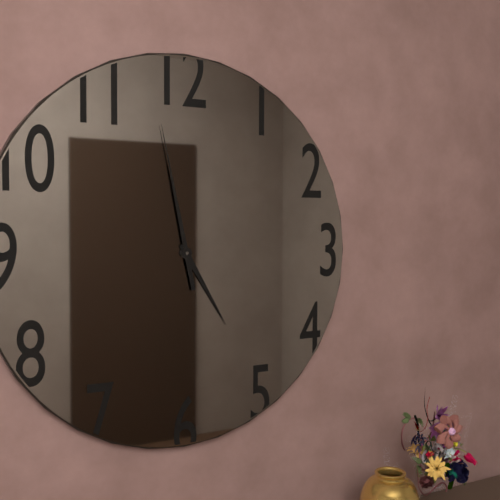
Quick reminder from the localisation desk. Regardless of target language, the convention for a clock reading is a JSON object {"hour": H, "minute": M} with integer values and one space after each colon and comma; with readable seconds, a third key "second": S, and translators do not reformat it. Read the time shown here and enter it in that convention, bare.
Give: {"hour": 4, "minute": 58}
